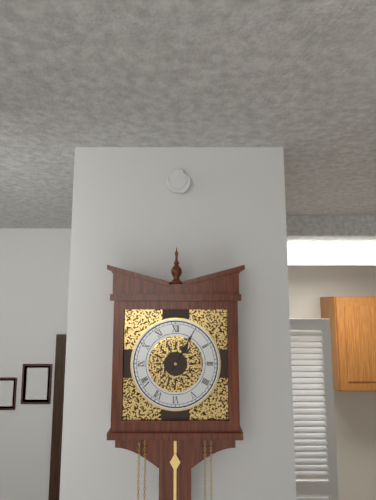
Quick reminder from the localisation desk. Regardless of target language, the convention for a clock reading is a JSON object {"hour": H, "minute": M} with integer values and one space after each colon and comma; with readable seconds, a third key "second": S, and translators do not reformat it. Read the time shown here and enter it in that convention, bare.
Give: {"hour": 1, "minute": 5}
